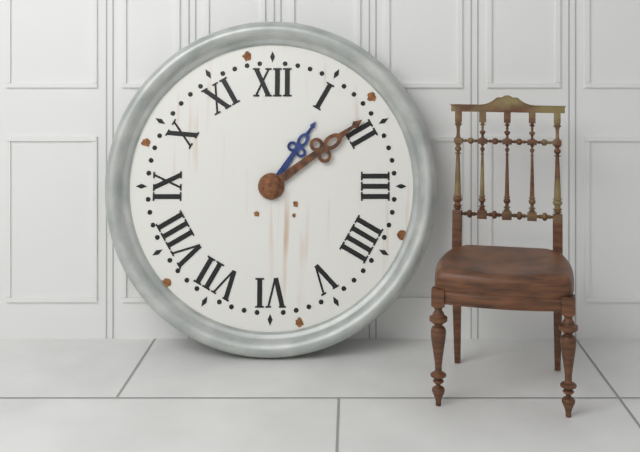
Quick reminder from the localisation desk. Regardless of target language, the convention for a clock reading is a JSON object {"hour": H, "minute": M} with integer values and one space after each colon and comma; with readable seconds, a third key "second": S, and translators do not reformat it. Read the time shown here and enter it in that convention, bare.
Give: {"hour": 1, "minute": 9}
